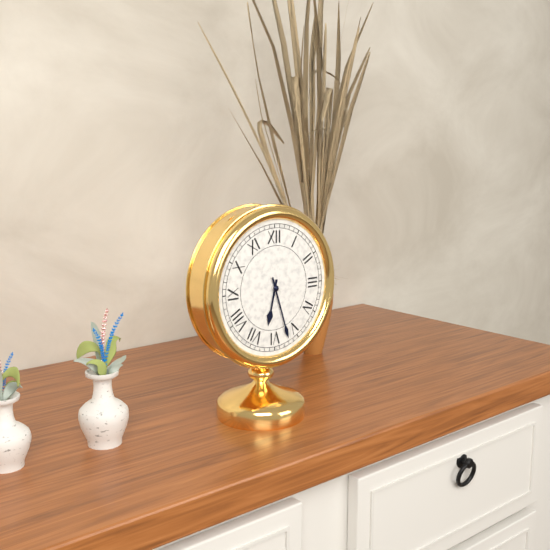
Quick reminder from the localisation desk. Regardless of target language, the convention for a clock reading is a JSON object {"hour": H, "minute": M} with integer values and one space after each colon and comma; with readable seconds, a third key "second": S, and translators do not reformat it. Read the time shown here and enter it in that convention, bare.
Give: {"hour": 6, "minute": 27}
